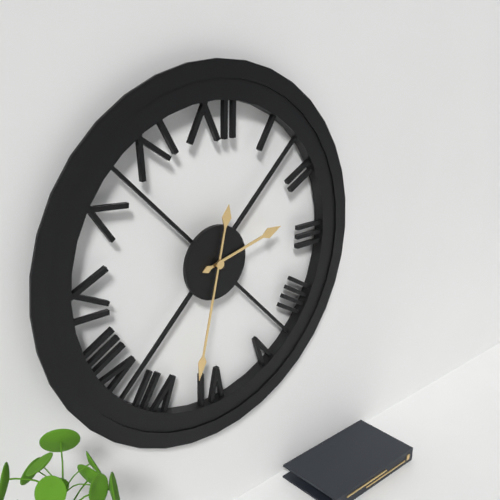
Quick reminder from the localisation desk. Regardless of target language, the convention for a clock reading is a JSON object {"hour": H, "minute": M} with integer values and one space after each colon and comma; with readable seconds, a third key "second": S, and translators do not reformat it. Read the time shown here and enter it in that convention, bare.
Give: {"hour": 2, "minute": 32}
